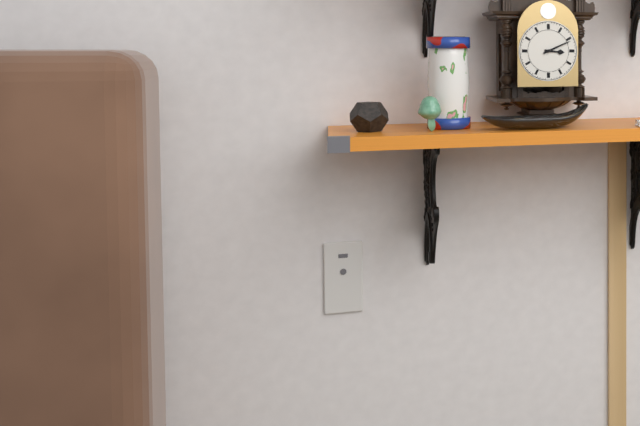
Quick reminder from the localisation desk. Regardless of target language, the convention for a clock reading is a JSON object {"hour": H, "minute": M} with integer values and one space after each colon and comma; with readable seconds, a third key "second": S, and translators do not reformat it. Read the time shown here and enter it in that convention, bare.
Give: {"hour": 3, "minute": 11}
